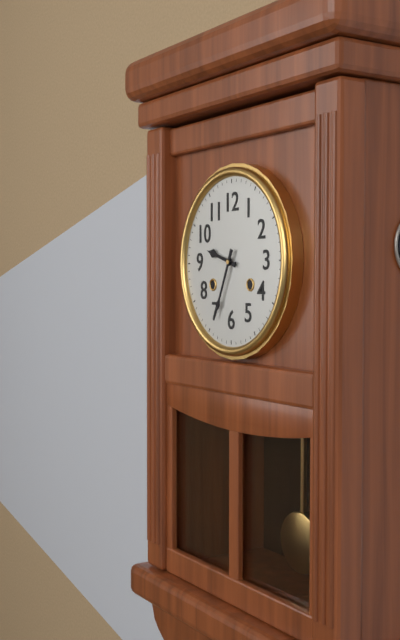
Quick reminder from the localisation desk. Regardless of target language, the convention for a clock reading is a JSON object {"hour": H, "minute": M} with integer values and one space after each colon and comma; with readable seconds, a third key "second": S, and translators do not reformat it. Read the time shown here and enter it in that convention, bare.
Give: {"hour": 9, "minute": 34}
